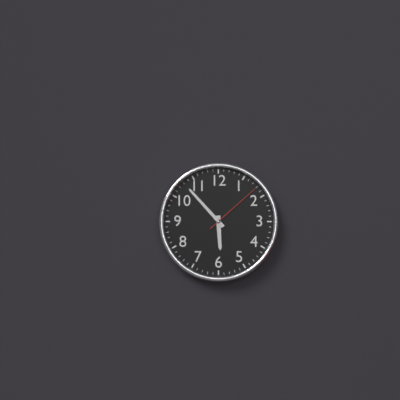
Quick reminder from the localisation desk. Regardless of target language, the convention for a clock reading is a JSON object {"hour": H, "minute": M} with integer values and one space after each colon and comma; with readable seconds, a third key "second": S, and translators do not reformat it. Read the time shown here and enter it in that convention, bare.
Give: {"hour": 5, "minute": 53, "second": 8}
